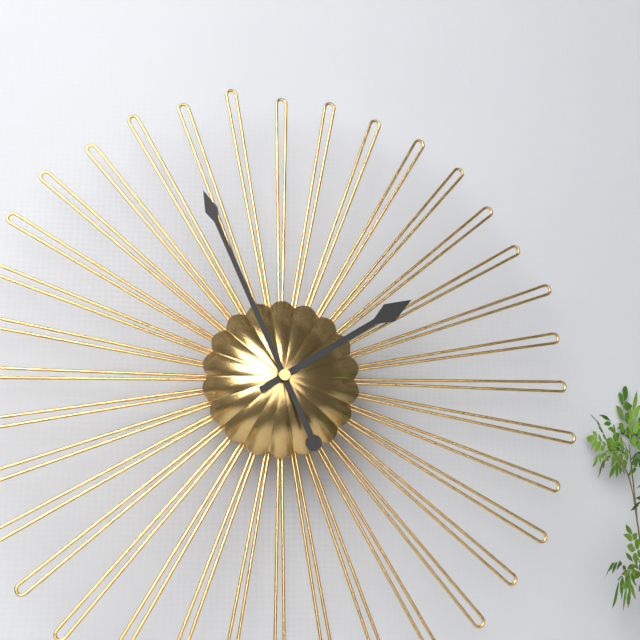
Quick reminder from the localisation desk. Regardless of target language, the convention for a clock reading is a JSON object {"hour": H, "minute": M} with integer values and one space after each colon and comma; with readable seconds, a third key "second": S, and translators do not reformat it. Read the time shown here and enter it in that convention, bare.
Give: {"hour": 1, "minute": 56}
